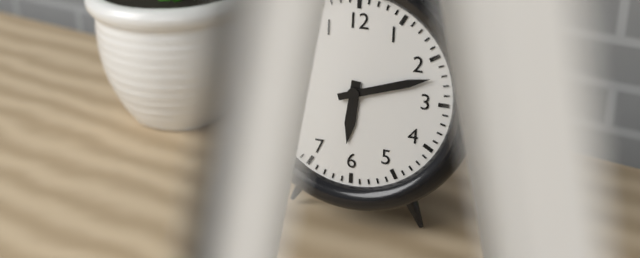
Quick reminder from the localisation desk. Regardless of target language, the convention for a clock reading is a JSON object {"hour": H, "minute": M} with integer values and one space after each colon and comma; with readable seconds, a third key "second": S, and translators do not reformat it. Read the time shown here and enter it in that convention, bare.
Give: {"hour": 6, "minute": 12}
